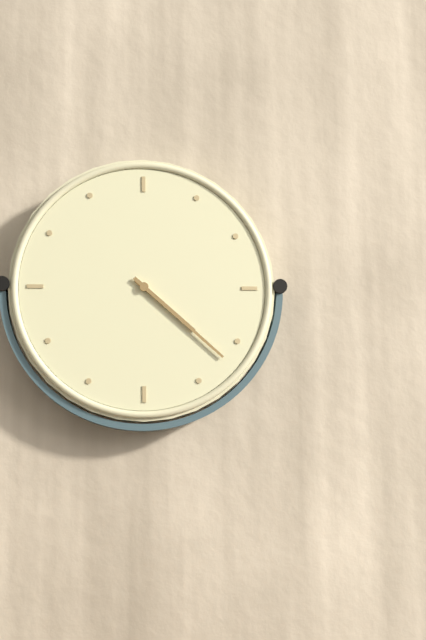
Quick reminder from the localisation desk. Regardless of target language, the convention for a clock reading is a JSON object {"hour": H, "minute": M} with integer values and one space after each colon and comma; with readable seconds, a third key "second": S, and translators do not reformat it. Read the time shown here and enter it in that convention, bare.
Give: {"hour": 4, "minute": 22}
